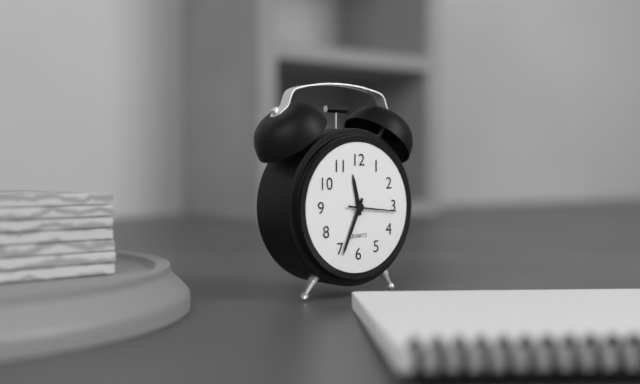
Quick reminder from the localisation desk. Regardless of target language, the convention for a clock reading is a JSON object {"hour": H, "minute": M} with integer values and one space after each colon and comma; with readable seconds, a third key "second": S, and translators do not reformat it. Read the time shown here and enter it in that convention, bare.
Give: {"hour": 11, "minute": 34}
